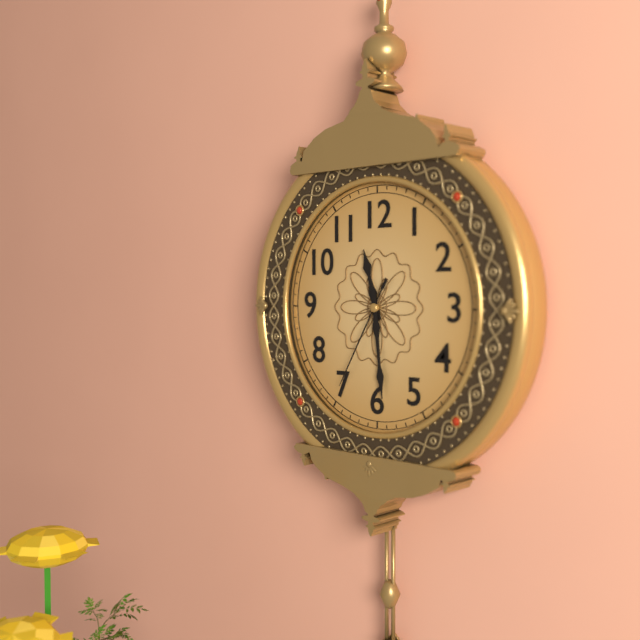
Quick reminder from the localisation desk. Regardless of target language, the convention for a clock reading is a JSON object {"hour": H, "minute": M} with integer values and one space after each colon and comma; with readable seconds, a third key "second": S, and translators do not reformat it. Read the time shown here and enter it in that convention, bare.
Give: {"hour": 11, "minute": 29, "second": 35}
